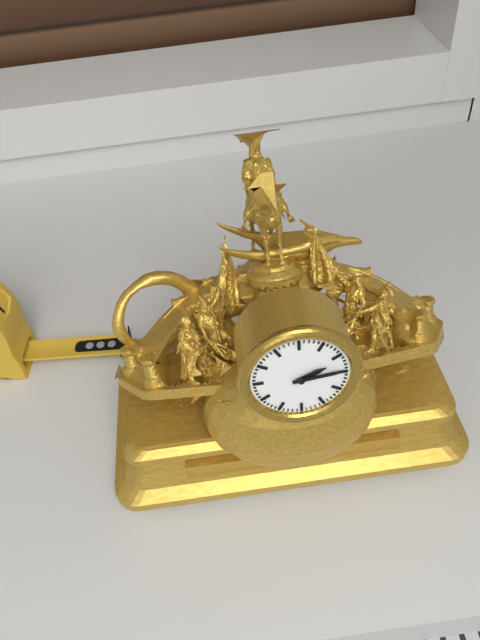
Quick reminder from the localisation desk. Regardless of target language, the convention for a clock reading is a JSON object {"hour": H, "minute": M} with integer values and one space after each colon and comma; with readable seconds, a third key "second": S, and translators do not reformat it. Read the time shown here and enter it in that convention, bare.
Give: {"hour": 2, "minute": 14}
